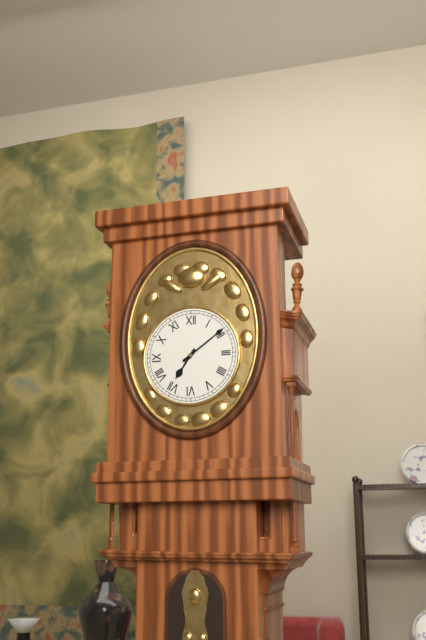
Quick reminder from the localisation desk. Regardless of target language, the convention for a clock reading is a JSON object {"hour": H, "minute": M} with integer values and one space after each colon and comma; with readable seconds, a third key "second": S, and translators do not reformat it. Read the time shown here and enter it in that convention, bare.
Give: {"hour": 7, "minute": 9}
